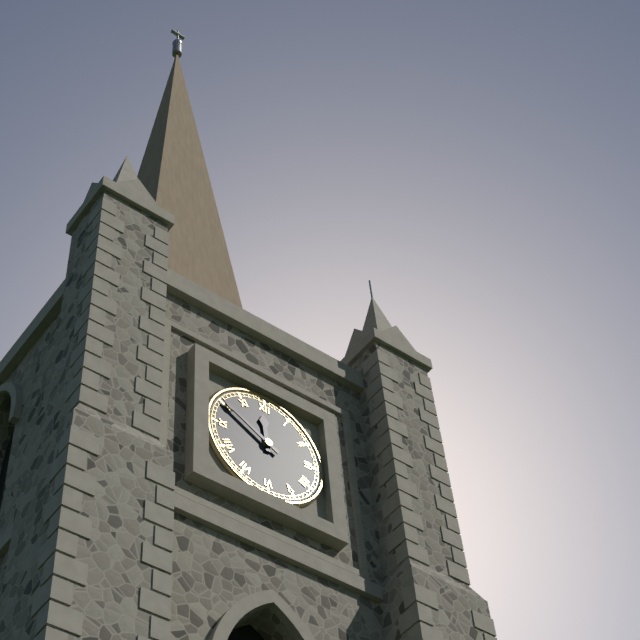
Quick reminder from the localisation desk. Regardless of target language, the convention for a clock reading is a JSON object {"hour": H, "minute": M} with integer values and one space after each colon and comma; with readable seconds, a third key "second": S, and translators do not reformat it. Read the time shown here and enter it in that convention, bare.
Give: {"hour": 11, "minute": 50}
